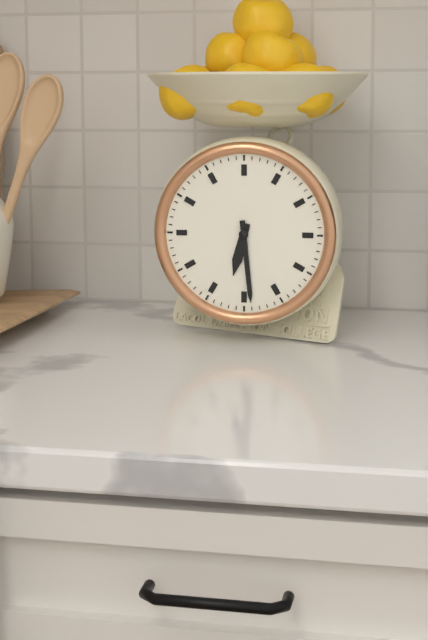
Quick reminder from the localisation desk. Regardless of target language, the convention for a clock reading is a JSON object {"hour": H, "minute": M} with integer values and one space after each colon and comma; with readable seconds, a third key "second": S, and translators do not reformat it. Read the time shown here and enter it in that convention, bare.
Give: {"hour": 6, "minute": 29}
